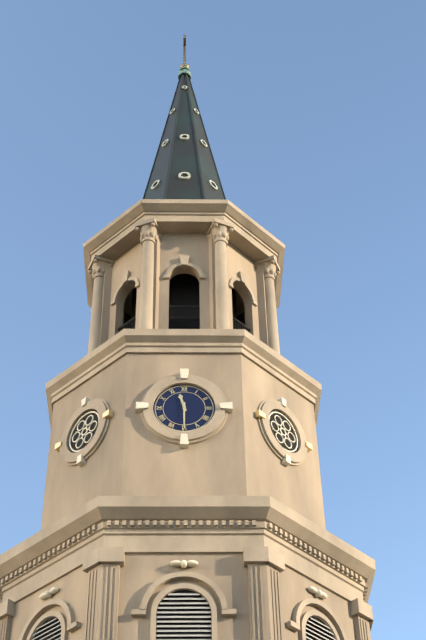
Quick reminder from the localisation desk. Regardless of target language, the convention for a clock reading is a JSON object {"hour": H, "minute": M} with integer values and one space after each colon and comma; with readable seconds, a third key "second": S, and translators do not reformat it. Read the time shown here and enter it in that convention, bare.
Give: {"hour": 11, "minute": 30}
